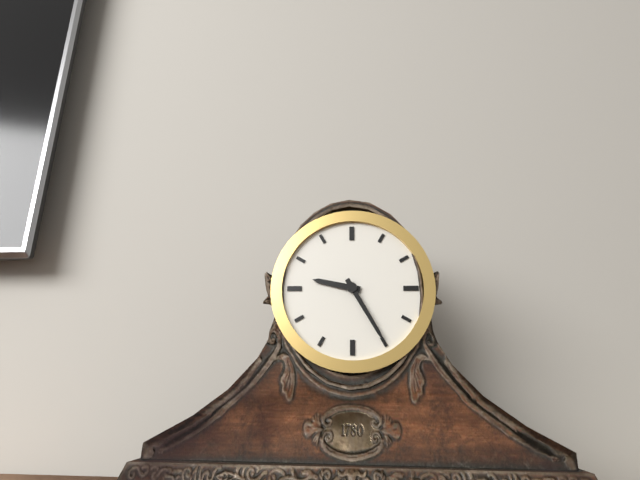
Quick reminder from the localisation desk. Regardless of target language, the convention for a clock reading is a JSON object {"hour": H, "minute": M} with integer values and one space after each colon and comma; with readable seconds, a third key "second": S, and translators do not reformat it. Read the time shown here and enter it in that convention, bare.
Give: {"hour": 9, "minute": 25}
